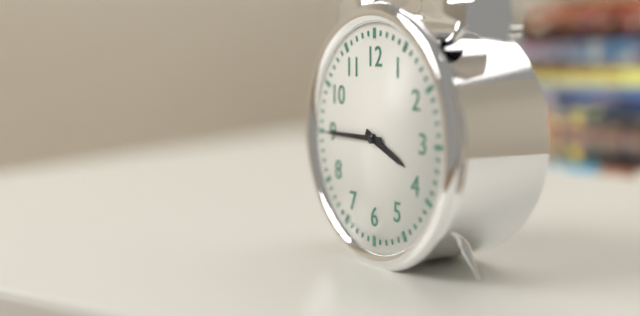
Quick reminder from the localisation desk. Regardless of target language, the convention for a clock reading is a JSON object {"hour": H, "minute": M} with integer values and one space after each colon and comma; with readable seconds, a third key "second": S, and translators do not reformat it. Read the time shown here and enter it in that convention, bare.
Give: {"hour": 3, "minute": 45}
